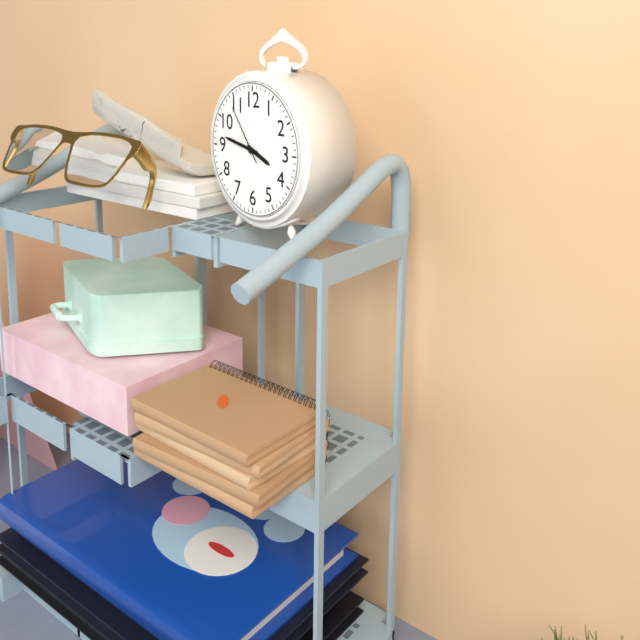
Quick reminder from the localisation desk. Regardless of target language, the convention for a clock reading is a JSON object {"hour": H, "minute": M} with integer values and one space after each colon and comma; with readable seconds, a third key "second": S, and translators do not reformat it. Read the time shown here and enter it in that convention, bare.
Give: {"hour": 3, "minute": 47, "second": 54}
